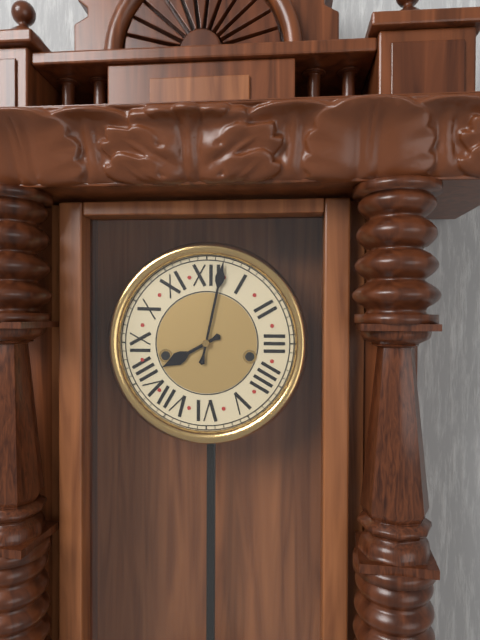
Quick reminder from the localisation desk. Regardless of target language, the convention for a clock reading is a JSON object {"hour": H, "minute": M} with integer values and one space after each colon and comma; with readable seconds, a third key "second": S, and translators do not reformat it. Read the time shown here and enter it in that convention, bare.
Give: {"hour": 8, "minute": 2}
